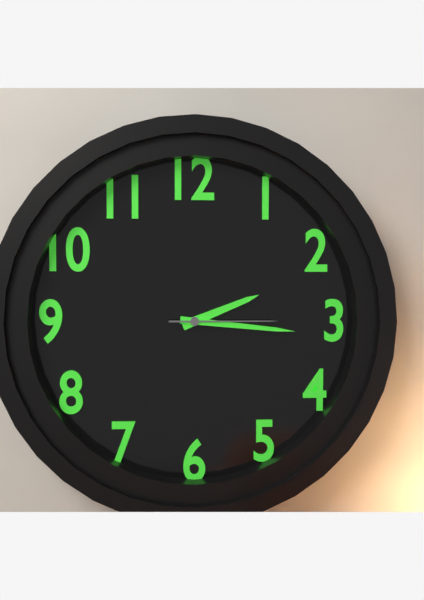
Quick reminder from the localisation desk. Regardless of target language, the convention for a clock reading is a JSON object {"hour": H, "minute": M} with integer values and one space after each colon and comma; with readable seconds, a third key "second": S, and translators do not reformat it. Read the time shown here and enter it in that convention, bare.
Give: {"hour": 2, "minute": 16, "second": 15}
